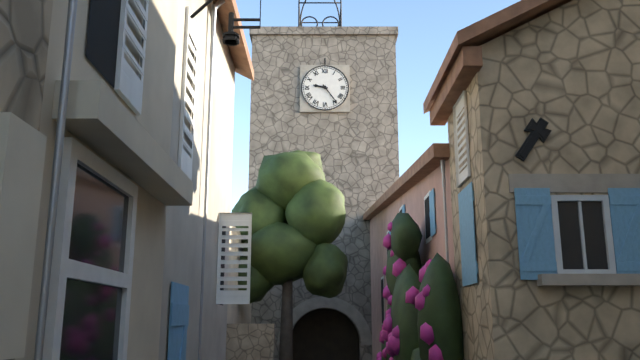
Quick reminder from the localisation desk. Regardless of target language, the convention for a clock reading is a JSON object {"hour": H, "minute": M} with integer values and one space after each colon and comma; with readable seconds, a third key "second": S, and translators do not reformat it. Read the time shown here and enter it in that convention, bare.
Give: {"hour": 9, "minute": 24}
